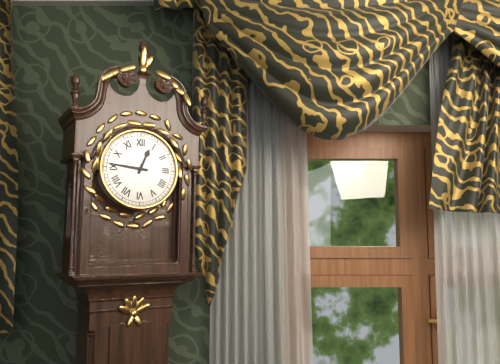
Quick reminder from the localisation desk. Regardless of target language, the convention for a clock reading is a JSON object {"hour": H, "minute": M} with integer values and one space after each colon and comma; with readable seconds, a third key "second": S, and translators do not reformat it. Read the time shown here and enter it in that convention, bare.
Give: {"hour": 12, "minute": 46}
